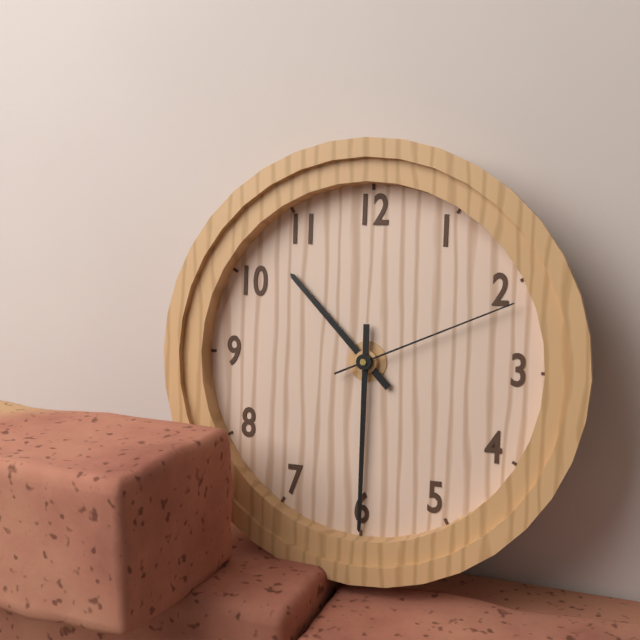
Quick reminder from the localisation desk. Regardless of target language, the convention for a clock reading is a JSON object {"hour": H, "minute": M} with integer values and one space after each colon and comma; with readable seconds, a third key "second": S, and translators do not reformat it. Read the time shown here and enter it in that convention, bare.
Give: {"hour": 10, "minute": 30, "second": 11}
